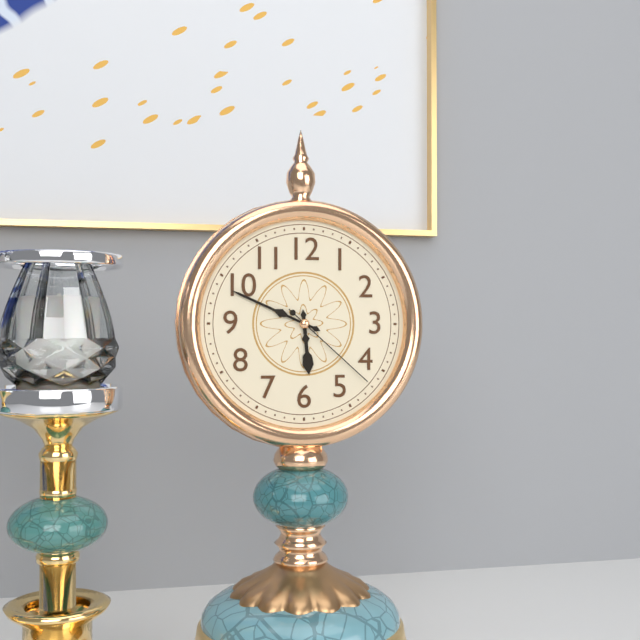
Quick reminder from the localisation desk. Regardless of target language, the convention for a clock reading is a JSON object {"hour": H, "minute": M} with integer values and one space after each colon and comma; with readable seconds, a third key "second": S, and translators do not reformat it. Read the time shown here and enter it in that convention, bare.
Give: {"hour": 5, "minute": 49, "second": 22}
